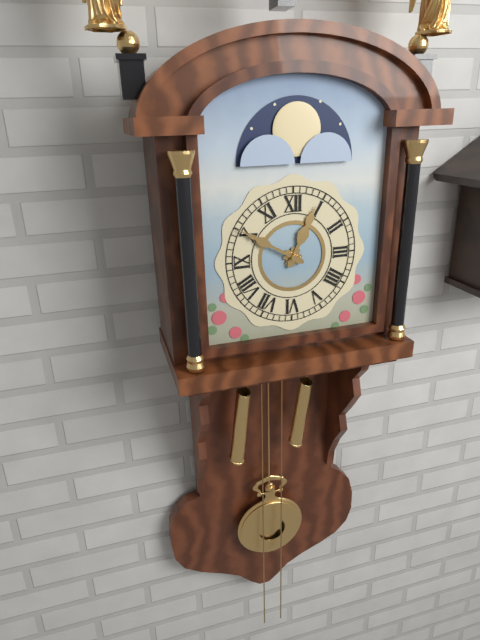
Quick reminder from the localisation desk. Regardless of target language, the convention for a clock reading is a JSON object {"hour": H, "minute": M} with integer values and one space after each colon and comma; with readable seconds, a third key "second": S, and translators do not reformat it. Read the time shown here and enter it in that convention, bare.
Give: {"hour": 12, "minute": 50}
